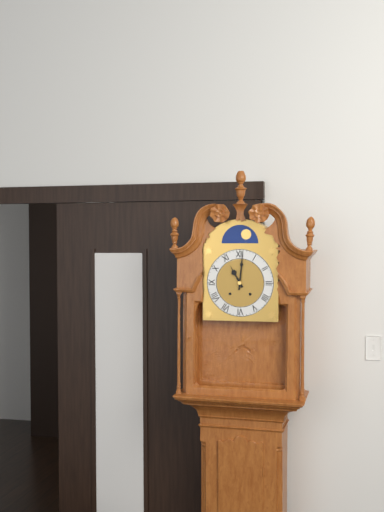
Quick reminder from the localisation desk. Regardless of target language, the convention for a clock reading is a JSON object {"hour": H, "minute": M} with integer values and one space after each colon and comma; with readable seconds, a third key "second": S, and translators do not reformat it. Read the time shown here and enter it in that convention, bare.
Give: {"hour": 11, "minute": 1}
